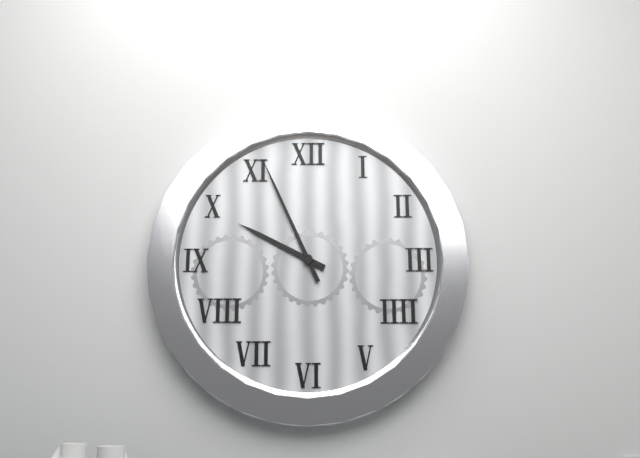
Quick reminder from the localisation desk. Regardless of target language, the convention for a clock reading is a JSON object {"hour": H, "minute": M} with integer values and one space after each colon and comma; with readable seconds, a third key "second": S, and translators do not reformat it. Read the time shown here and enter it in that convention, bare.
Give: {"hour": 9, "minute": 56}
